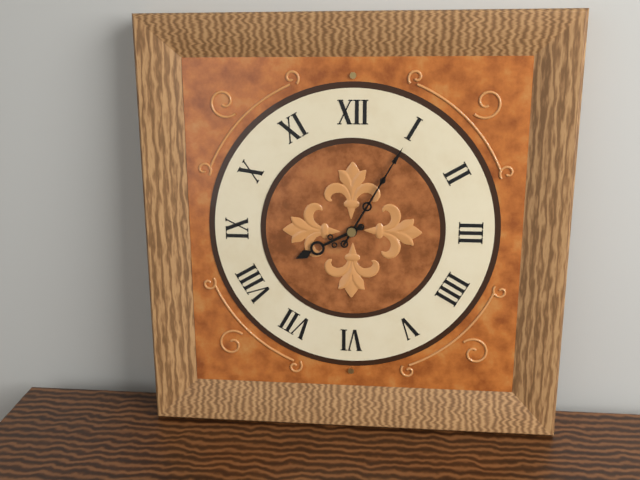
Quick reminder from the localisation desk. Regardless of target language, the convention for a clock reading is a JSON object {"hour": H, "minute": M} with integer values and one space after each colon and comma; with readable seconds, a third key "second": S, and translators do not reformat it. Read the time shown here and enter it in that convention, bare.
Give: {"hour": 8, "minute": 5}
